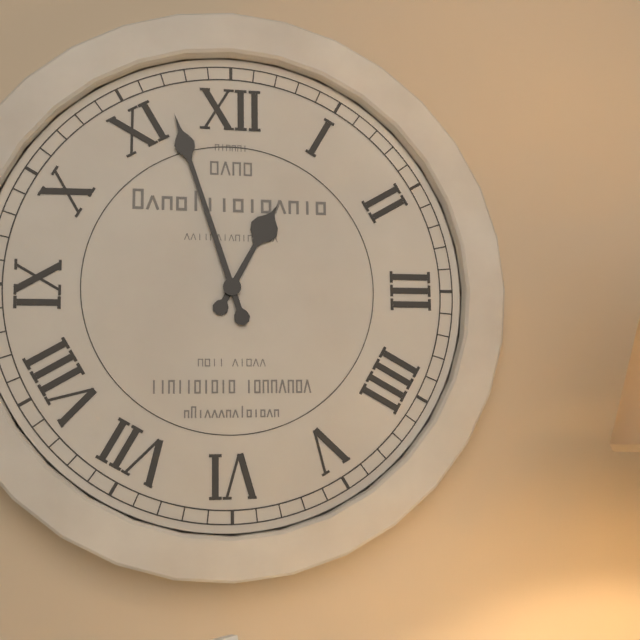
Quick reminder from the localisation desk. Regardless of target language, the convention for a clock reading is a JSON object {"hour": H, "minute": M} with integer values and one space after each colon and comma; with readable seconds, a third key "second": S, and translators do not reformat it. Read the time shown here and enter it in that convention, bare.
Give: {"hour": 12, "minute": 57}
